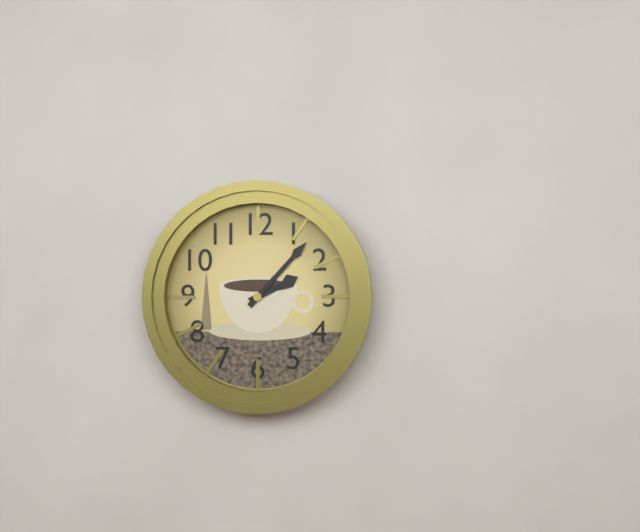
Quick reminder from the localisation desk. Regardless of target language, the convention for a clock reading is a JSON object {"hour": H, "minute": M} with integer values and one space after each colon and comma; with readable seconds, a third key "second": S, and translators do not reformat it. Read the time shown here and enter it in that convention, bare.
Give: {"hour": 2, "minute": 7}
